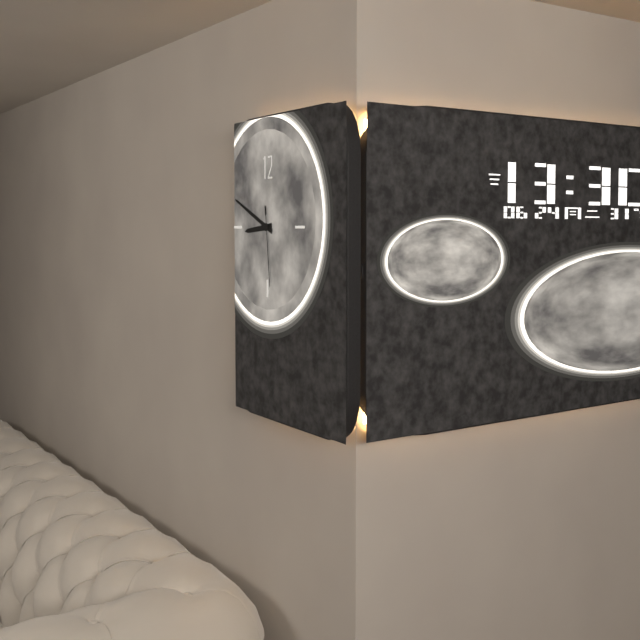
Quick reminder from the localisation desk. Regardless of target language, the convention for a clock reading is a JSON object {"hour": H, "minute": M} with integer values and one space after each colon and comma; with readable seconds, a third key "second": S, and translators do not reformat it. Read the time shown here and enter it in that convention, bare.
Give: {"hour": 8, "minute": 49, "second": 29}
